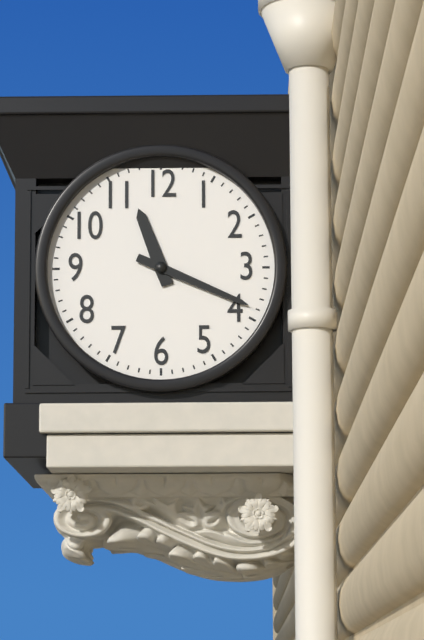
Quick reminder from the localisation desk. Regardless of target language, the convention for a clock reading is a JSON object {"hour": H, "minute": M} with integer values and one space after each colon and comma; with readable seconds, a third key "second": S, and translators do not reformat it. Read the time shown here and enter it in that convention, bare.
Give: {"hour": 11, "minute": 19}
